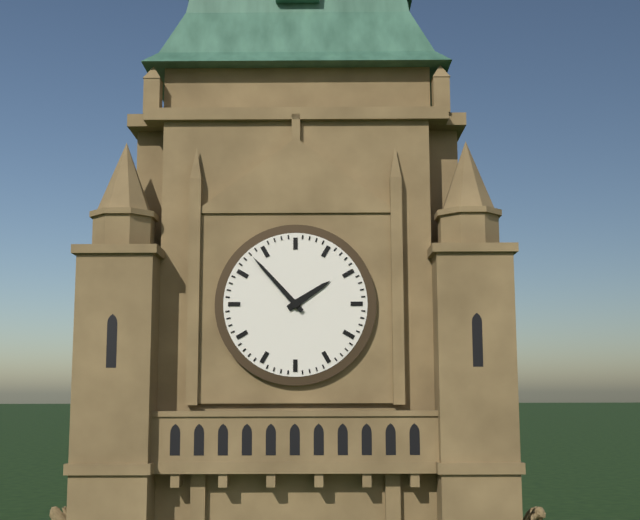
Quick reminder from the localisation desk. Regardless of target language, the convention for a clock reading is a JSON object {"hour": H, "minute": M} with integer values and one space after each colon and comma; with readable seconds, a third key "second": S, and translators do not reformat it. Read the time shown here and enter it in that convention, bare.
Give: {"hour": 1, "minute": 53}
